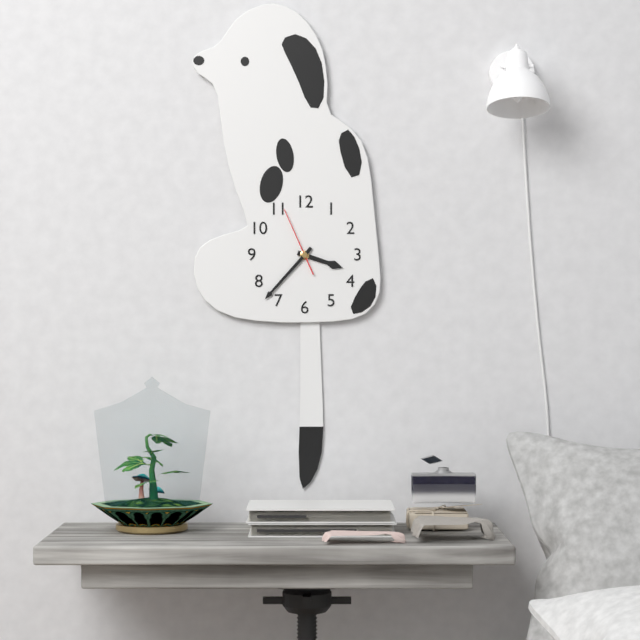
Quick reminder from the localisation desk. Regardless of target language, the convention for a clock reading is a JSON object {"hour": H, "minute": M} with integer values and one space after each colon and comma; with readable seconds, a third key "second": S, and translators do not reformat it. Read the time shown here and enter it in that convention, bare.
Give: {"hour": 3, "minute": 37, "second": 56}
